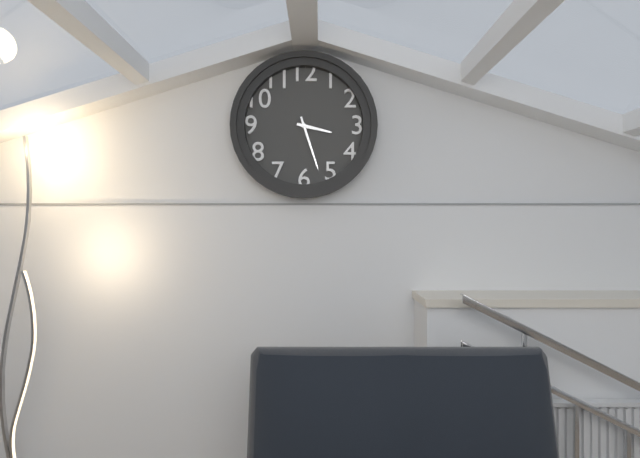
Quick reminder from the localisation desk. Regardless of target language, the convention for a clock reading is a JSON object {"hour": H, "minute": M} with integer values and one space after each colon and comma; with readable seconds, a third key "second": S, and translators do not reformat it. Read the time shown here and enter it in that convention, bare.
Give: {"hour": 3, "minute": 27}
